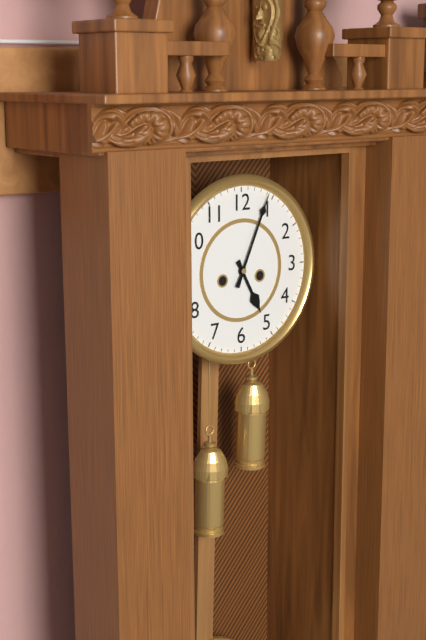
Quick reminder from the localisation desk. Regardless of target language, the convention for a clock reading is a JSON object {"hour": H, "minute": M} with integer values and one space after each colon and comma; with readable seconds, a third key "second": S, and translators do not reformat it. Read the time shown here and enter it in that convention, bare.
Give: {"hour": 5, "minute": 4}
